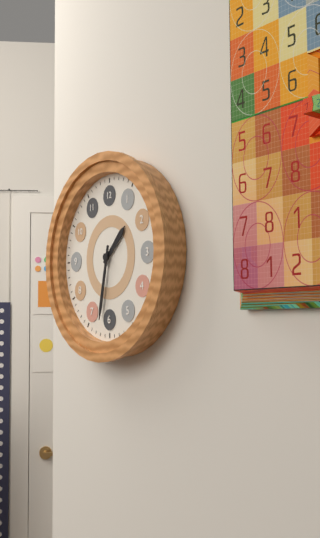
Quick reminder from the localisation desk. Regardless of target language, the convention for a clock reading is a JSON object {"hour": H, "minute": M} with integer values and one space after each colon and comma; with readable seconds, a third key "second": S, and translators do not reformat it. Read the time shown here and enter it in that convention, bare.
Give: {"hour": 1, "minute": 32}
